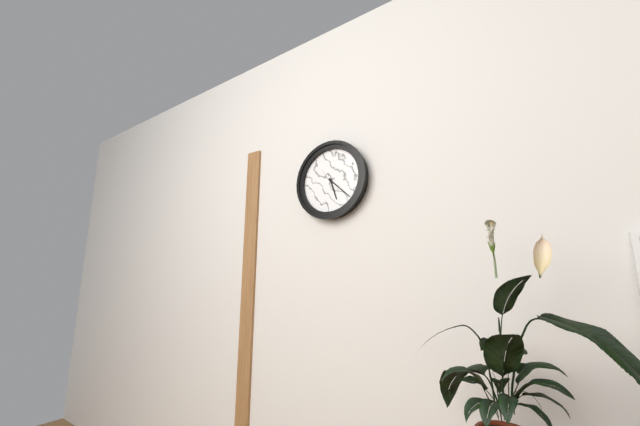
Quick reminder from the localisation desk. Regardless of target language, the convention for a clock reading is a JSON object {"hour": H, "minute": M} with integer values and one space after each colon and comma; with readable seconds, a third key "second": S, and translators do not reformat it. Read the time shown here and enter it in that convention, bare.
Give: {"hour": 5, "minute": 22}
